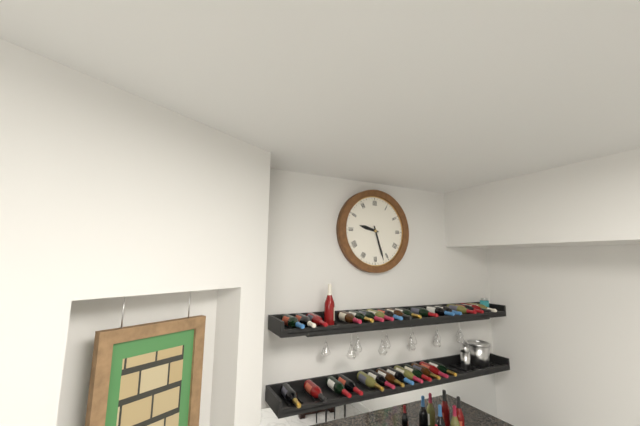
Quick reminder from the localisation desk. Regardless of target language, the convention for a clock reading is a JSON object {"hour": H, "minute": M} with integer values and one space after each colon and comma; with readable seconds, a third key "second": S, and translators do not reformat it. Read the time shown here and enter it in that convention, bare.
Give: {"hour": 9, "minute": 27}
